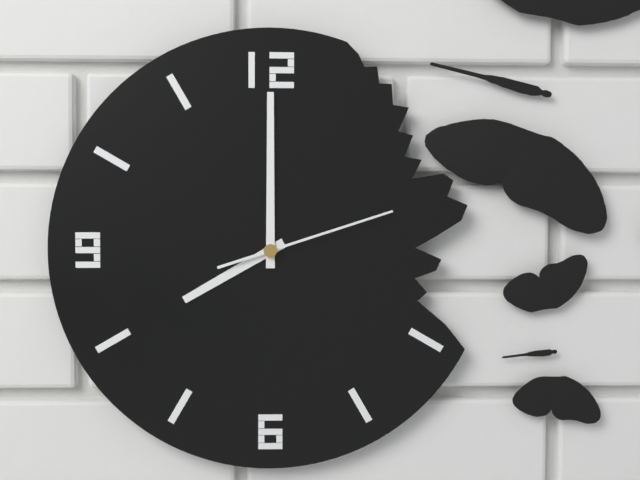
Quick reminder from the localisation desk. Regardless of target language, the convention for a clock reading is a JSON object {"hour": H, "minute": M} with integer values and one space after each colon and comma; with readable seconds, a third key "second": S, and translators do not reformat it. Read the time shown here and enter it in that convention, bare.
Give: {"hour": 8, "minute": 0, "second": 12}
